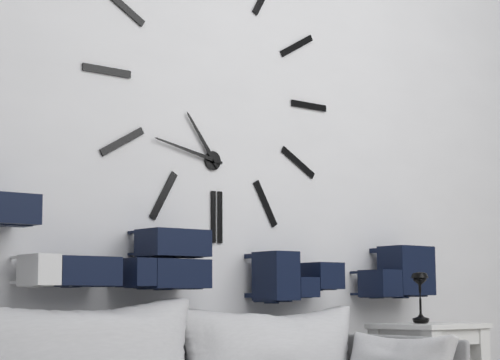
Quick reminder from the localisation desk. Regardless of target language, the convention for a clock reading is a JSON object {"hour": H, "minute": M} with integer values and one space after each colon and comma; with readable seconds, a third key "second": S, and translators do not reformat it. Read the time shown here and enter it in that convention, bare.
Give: {"hour": 10, "minute": 47}
